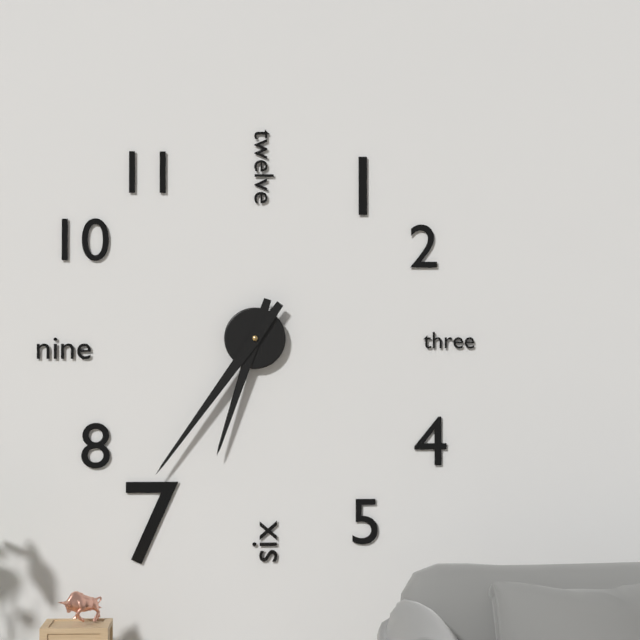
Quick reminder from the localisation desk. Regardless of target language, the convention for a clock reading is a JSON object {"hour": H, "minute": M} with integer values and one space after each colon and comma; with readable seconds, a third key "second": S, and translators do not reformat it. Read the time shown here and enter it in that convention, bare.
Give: {"hour": 6, "minute": 36}
